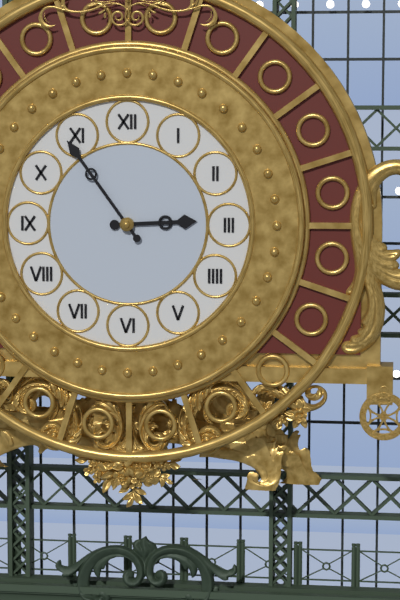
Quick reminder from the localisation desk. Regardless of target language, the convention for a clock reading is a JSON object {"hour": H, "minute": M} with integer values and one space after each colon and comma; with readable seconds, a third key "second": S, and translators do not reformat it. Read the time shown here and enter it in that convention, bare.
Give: {"hour": 2, "minute": 54}
